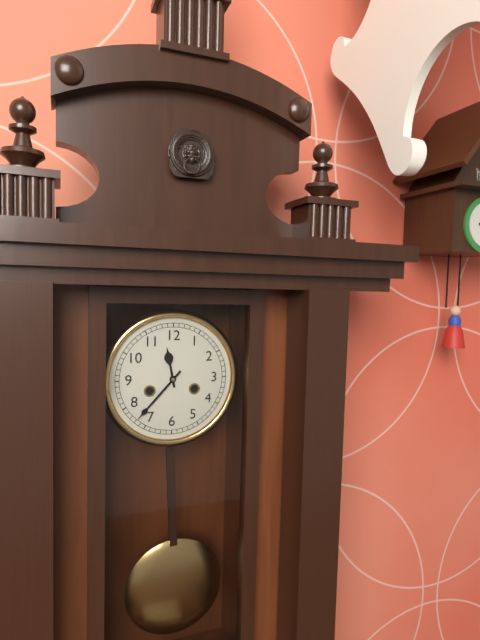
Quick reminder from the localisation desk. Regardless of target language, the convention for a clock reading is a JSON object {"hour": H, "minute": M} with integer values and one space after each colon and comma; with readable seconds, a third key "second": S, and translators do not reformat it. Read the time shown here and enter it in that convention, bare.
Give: {"hour": 11, "minute": 37}
